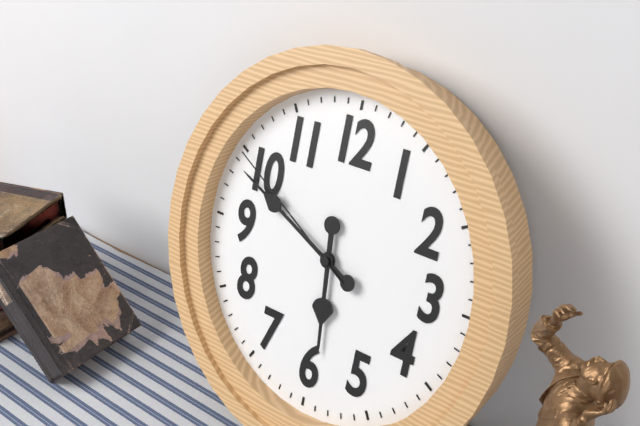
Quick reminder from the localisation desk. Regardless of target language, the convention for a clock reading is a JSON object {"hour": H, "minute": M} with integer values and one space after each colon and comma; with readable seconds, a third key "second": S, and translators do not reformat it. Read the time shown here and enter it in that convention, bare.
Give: {"hour": 5, "minute": 49, "second": 50}
